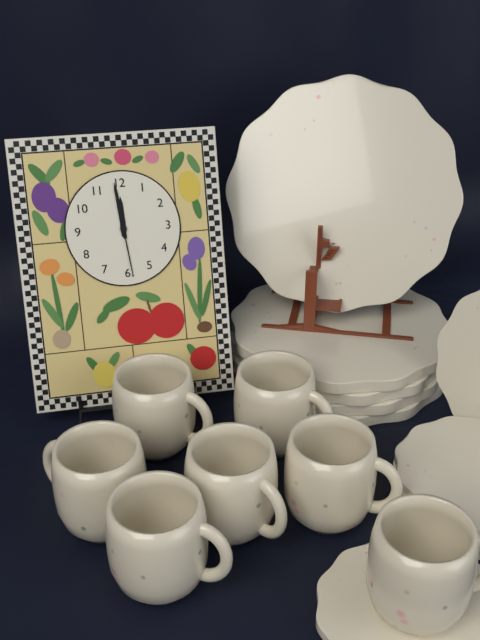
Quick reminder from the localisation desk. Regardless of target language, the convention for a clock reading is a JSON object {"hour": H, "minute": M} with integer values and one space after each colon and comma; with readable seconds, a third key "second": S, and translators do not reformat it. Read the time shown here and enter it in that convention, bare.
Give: {"hour": 11, "minute": 59, "second": 29}
